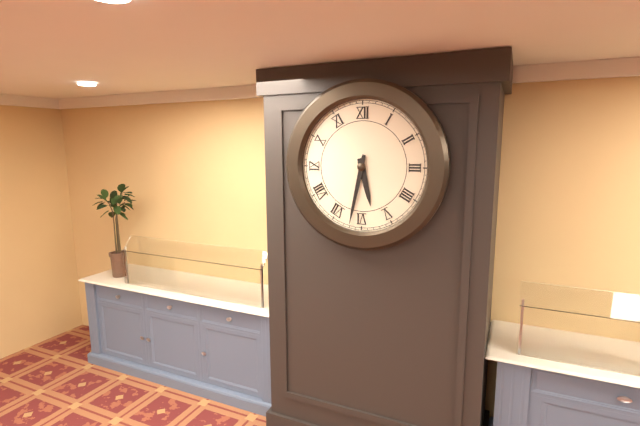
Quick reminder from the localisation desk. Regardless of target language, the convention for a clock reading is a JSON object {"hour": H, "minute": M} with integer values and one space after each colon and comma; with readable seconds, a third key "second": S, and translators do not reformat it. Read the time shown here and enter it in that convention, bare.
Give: {"hour": 5, "minute": 32}
